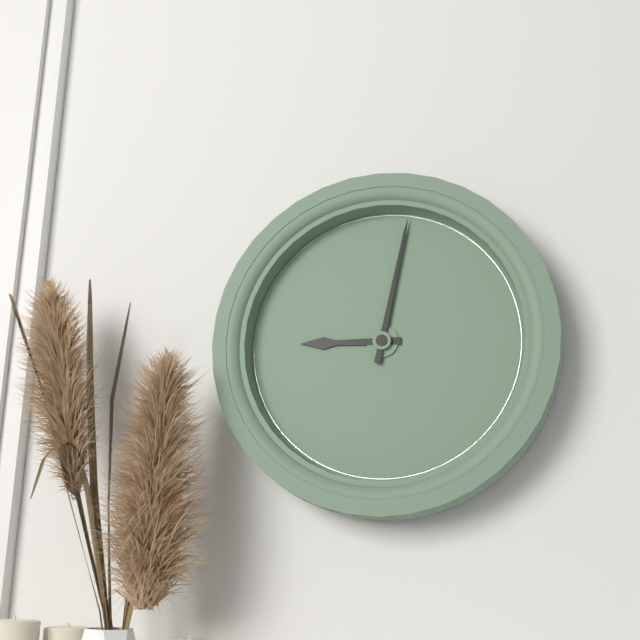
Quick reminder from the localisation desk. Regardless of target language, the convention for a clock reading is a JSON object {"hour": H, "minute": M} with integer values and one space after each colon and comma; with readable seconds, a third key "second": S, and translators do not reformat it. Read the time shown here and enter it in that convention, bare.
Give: {"hour": 9, "minute": 2}
